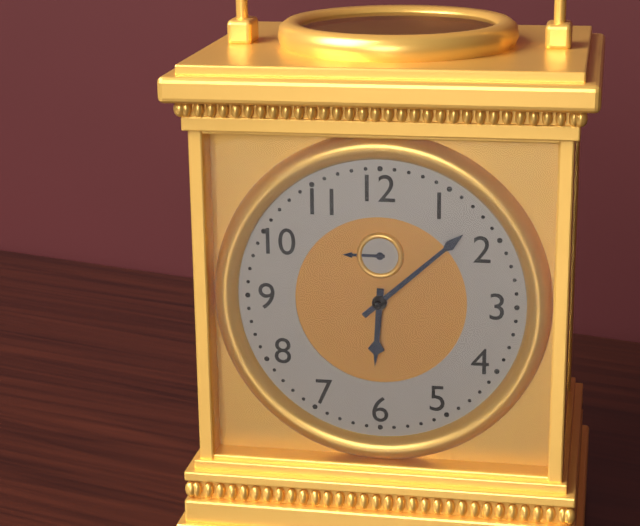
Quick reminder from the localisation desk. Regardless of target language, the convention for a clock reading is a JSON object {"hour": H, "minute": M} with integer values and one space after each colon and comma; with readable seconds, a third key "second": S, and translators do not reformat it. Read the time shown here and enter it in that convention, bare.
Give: {"hour": 6, "minute": 8}
